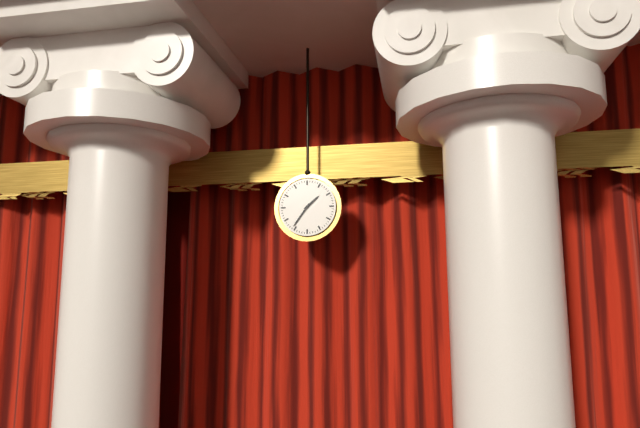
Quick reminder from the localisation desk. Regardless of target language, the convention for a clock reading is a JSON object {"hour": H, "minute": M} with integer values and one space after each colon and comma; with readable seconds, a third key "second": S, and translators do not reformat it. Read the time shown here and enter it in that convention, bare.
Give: {"hour": 1, "minute": 36}
